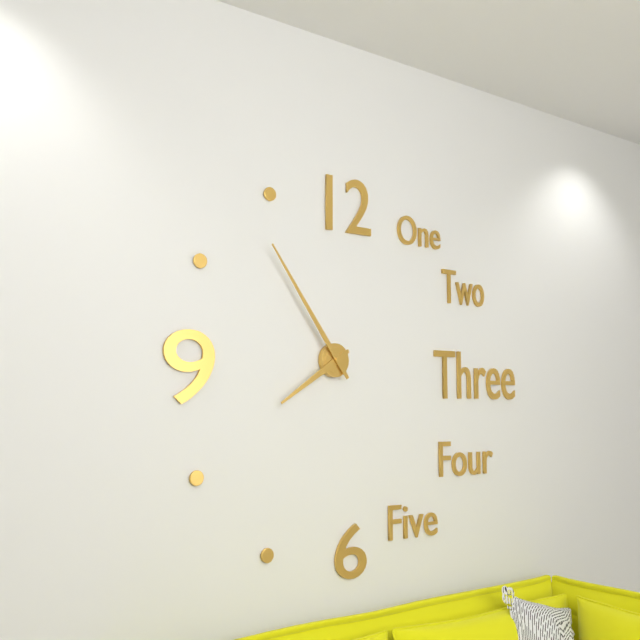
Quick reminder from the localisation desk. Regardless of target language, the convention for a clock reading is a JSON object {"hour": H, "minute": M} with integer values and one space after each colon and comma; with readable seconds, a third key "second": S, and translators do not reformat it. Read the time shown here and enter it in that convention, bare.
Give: {"hour": 7, "minute": 54}
